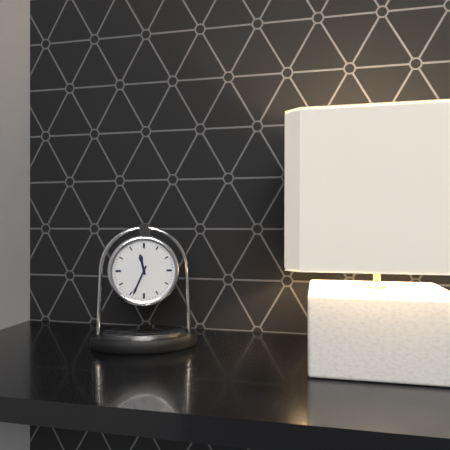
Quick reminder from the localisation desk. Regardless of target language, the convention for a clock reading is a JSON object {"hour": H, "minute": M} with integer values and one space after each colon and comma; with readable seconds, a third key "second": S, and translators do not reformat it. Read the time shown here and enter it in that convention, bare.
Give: {"hour": 11, "minute": 34}
